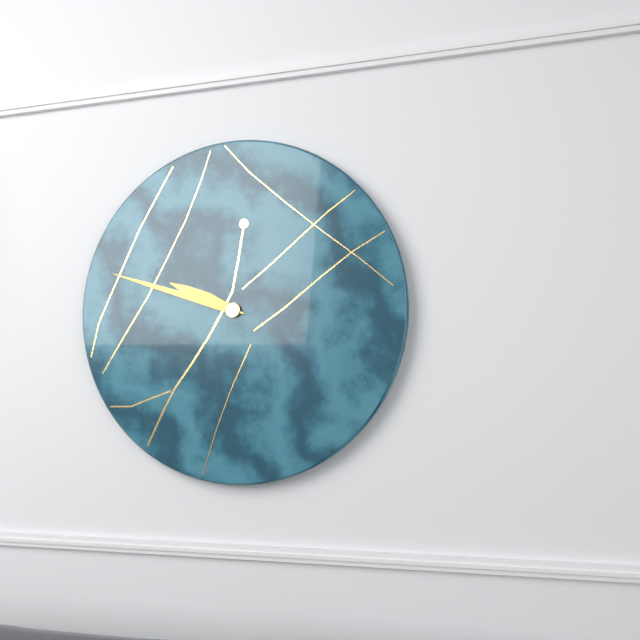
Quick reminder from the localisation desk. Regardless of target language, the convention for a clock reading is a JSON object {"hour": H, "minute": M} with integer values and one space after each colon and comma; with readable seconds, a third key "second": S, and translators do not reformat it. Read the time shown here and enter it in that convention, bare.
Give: {"hour": 9, "minute": 48}
